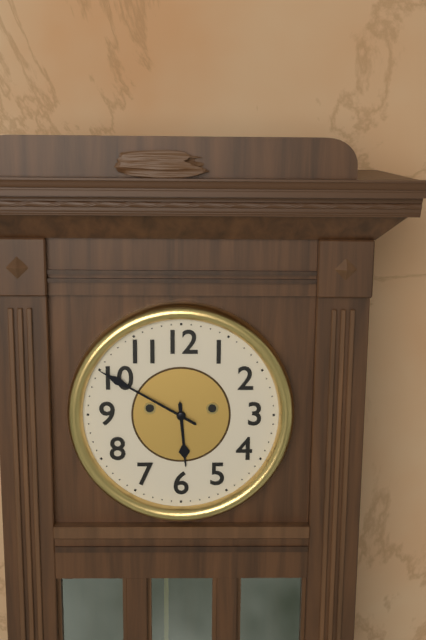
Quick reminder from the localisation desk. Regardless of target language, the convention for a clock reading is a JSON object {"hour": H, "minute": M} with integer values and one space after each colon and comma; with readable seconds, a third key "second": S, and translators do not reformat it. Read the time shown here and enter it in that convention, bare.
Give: {"hour": 5, "minute": 50}
